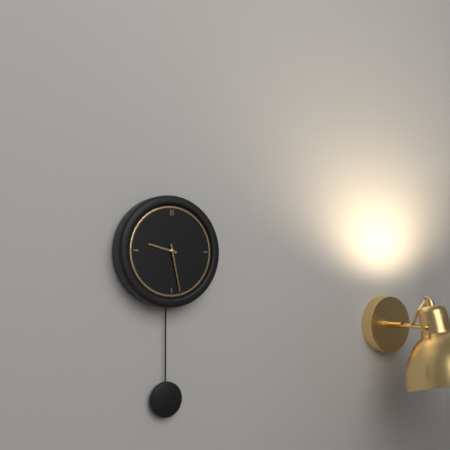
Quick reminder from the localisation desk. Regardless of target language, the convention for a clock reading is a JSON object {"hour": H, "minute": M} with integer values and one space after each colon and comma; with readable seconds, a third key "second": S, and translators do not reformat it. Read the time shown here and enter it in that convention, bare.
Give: {"hour": 9, "minute": 28}
